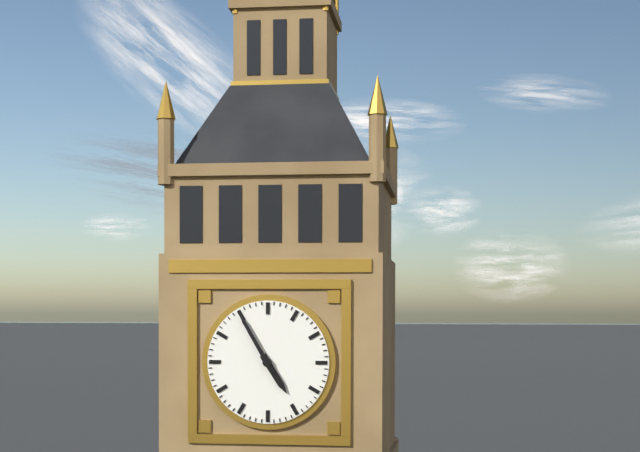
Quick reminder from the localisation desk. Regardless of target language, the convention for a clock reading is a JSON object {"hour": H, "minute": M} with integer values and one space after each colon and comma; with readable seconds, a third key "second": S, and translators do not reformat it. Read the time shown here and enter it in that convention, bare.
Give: {"hour": 4, "minute": 55}
